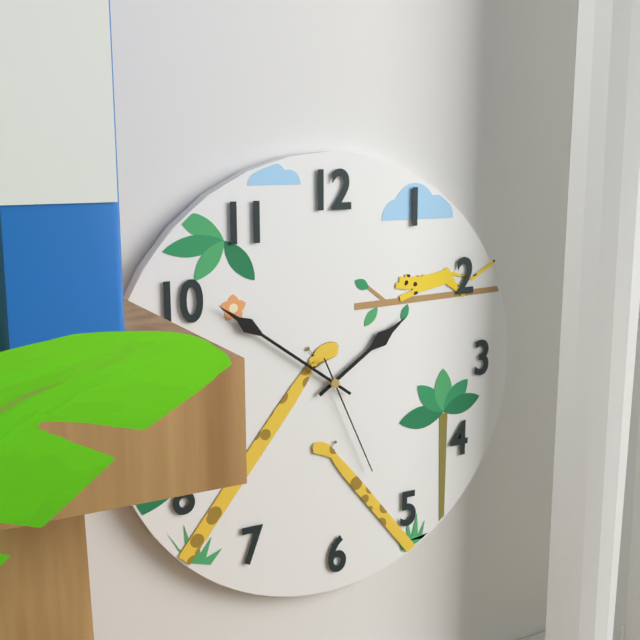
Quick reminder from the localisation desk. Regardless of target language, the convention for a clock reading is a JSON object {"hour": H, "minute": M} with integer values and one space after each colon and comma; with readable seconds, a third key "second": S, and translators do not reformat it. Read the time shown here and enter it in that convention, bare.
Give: {"hour": 1, "minute": 51, "second": 26}
